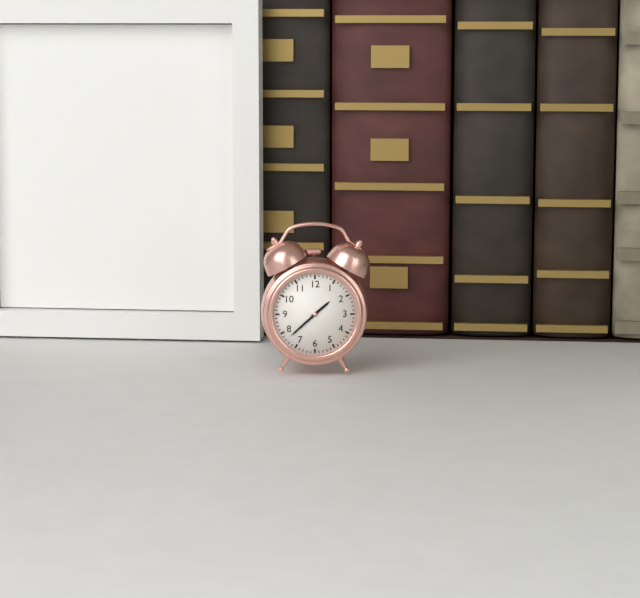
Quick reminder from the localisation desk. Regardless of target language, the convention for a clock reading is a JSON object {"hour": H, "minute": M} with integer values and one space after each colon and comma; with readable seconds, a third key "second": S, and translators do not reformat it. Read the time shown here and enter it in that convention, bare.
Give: {"hour": 1, "minute": 38}
